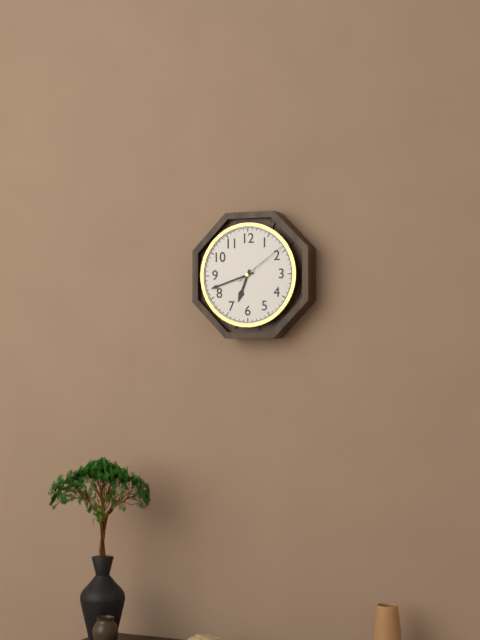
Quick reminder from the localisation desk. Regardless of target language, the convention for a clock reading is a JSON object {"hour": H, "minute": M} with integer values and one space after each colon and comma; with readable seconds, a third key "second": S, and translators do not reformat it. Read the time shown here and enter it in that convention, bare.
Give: {"hour": 6, "minute": 42, "second": 9}
